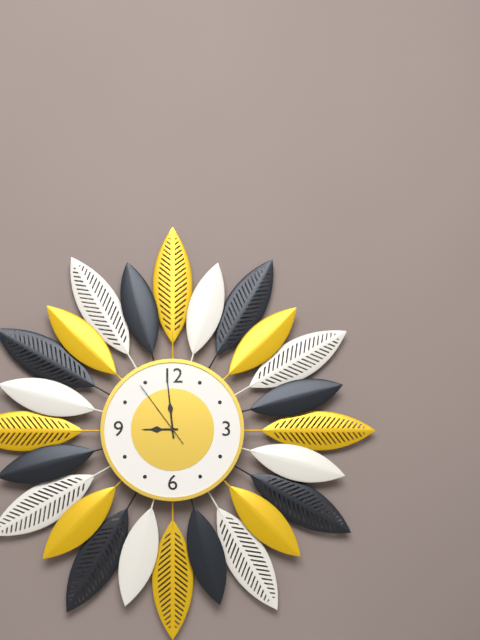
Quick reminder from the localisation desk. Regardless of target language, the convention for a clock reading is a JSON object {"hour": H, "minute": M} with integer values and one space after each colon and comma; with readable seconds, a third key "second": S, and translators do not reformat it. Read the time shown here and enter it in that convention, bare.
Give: {"hour": 8, "minute": 59, "second": 54}
